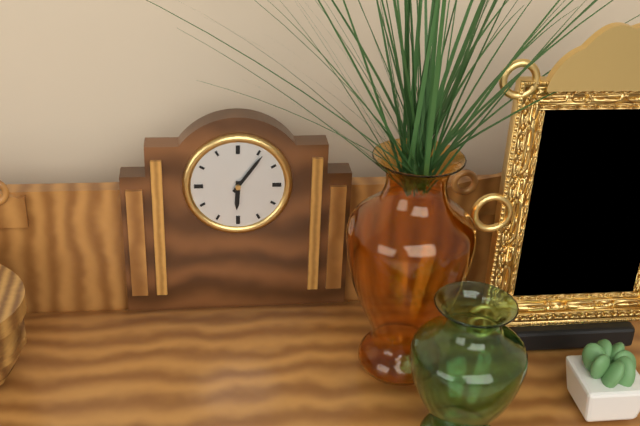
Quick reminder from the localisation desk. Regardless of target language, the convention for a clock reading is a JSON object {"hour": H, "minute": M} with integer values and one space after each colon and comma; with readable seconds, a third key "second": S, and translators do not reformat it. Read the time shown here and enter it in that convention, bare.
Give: {"hour": 6, "minute": 6}
